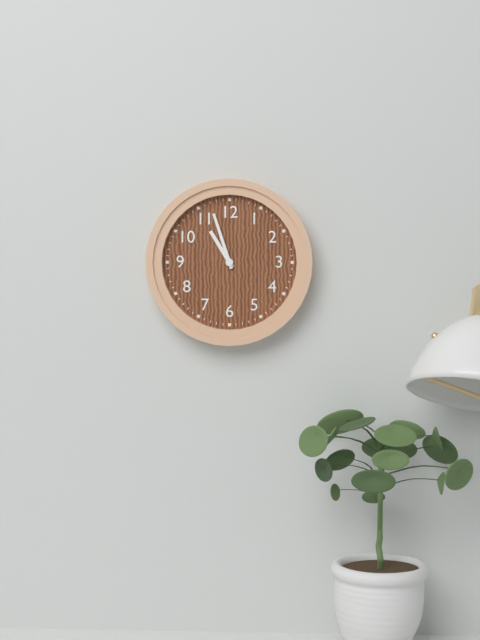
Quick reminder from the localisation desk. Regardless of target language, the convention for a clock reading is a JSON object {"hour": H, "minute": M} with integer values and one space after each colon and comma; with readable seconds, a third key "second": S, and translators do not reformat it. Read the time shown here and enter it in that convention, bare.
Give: {"hour": 10, "minute": 57}
